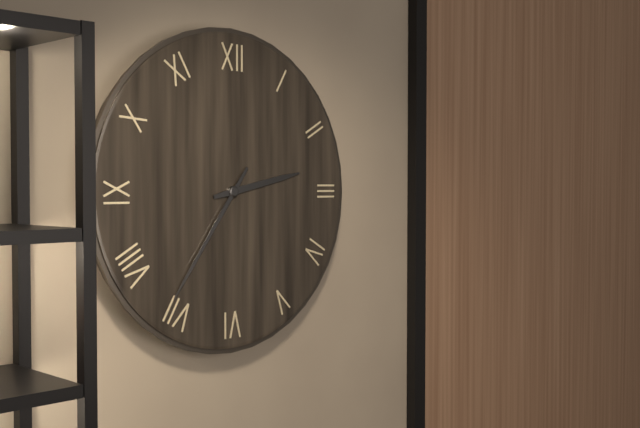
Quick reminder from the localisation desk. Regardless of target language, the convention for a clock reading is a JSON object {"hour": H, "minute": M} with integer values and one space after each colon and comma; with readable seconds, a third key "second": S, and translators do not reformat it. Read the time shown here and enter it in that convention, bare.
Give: {"hour": 2, "minute": 36}
